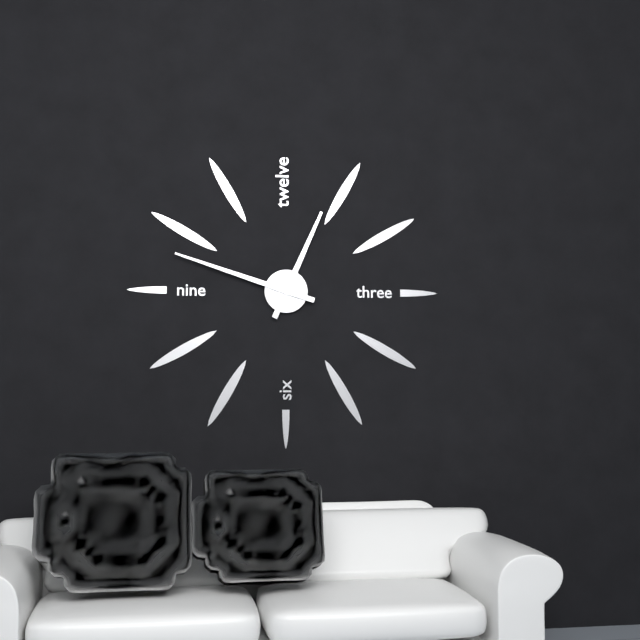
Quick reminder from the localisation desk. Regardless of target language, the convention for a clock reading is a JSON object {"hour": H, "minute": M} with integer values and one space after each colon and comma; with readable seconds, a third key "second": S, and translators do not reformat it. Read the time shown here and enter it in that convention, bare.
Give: {"hour": 12, "minute": 48}
